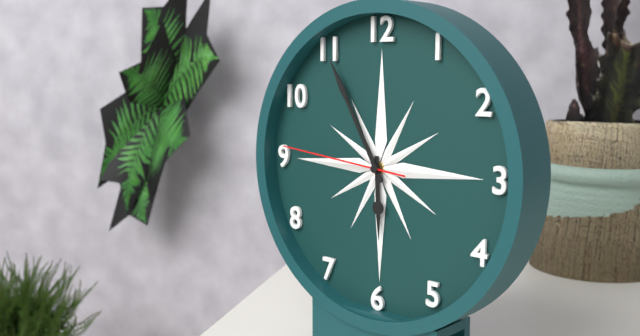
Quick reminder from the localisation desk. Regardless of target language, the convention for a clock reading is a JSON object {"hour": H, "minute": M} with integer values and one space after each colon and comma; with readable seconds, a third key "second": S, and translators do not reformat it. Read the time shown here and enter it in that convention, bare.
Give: {"hour": 5, "minute": 55, "second": 46}
